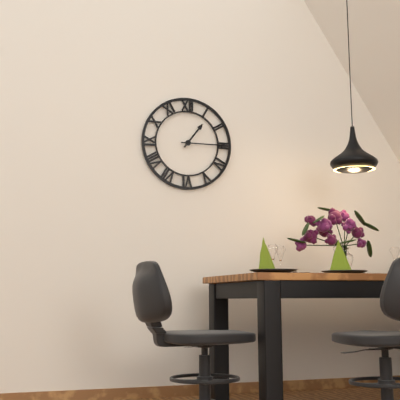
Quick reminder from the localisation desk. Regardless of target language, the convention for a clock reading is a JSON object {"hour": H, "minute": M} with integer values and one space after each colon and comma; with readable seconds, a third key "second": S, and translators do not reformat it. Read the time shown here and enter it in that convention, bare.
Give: {"hour": 1, "minute": 15}
